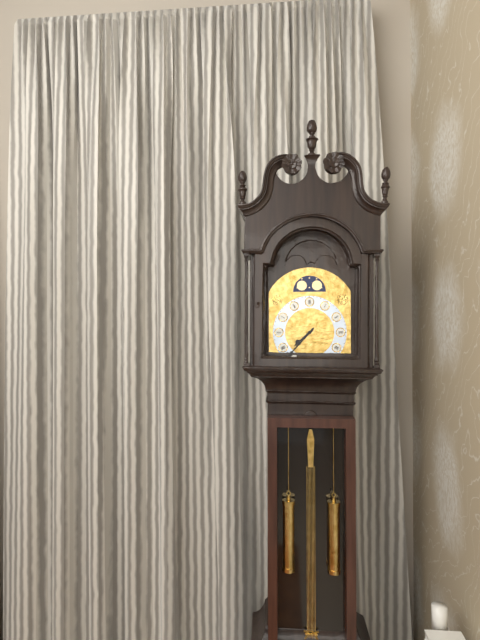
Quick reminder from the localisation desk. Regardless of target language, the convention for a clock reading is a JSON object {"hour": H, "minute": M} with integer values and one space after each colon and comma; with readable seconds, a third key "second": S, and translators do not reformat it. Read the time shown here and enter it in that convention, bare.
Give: {"hour": 7, "minute": 37}
